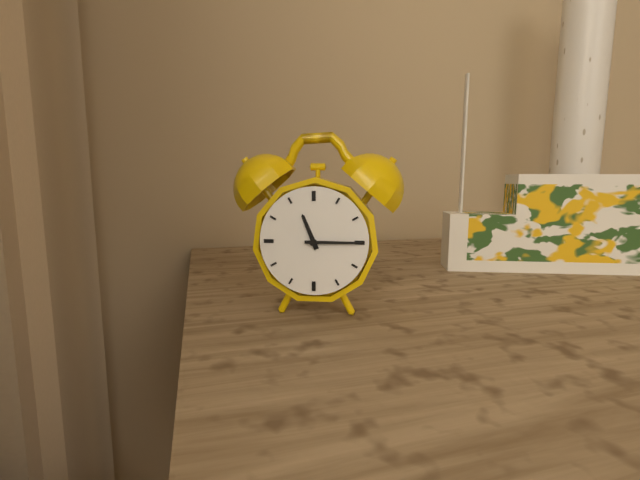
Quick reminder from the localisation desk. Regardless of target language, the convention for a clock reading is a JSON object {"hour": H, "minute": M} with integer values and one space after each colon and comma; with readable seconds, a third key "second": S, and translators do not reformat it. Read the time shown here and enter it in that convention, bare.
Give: {"hour": 11, "minute": 15}
